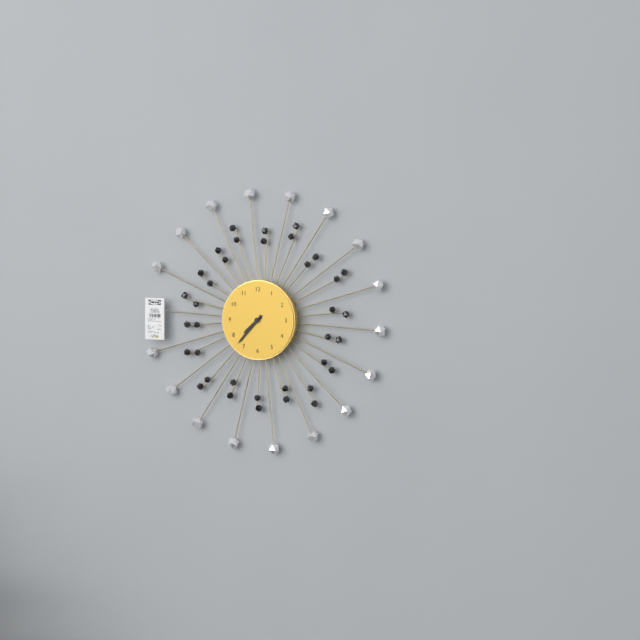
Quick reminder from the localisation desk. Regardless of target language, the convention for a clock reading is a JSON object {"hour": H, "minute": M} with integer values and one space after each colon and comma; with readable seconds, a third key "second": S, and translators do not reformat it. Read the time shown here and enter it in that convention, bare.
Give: {"hour": 7, "minute": 37}
